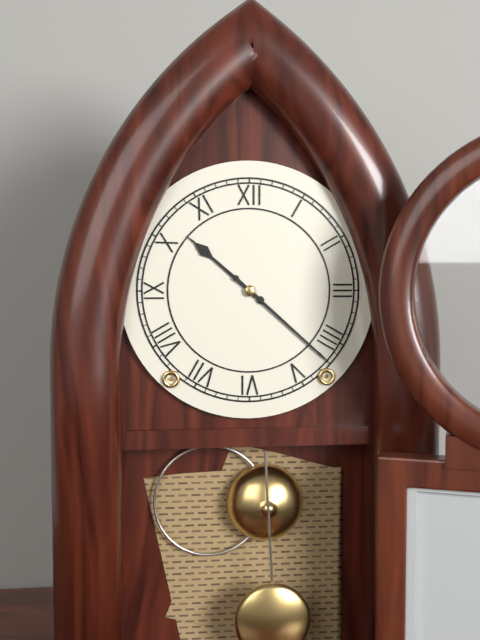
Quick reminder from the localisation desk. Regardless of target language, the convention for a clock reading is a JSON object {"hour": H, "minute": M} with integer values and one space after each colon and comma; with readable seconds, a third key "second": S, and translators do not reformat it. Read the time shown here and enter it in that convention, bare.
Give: {"hour": 10, "minute": 22}
